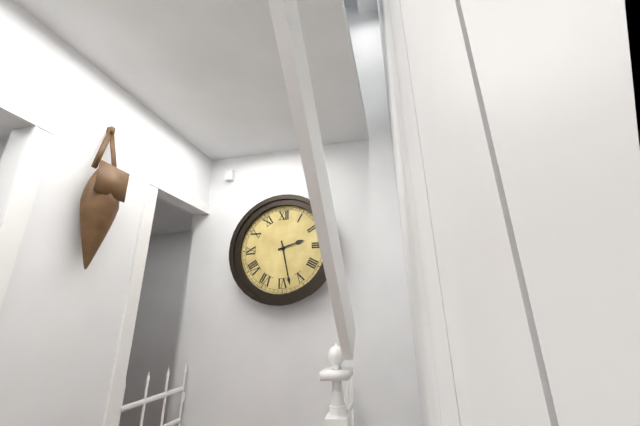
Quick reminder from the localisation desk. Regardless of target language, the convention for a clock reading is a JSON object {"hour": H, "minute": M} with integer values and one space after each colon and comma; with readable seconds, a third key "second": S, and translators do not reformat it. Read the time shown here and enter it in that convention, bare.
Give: {"hour": 2, "minute": 28}
